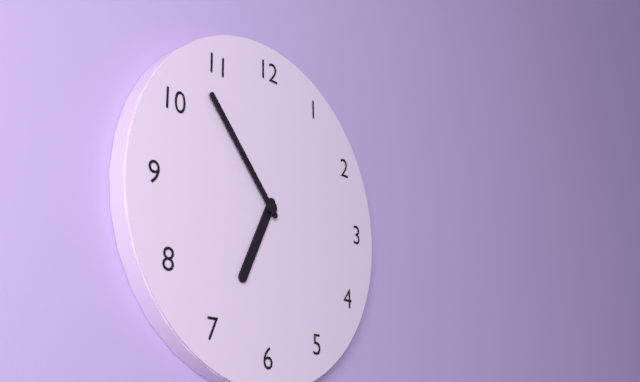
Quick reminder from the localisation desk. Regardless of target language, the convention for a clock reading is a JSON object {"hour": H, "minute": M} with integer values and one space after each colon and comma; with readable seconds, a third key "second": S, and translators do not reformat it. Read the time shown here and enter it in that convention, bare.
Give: {"hour": 6, "minute": 53}
